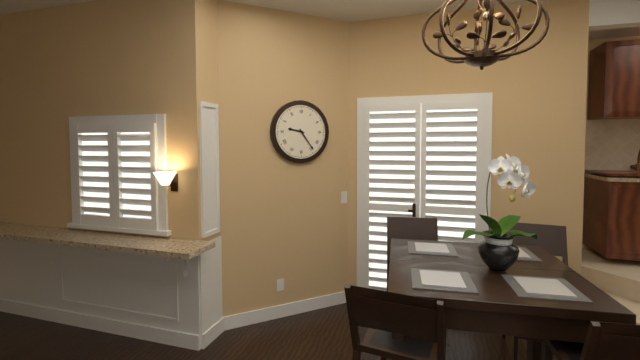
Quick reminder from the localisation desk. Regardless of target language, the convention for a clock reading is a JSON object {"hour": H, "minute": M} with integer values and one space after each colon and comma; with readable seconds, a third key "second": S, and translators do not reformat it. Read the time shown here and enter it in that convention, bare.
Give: {"hour": 9, "minute": 24}
